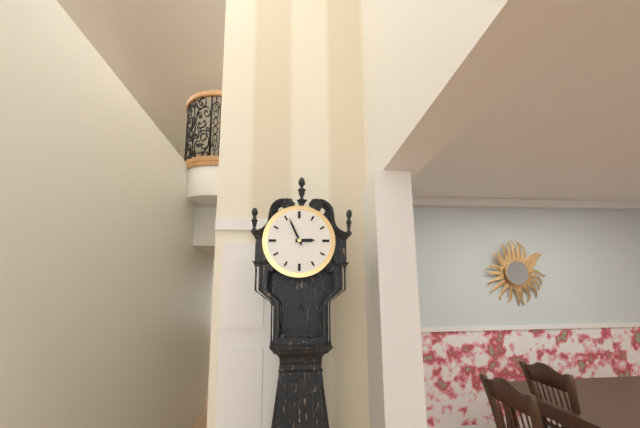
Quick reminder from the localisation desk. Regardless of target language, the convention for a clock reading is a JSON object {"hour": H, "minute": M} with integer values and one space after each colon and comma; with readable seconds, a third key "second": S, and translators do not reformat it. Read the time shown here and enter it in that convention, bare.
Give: {"hour": 2, "minute": 56}
